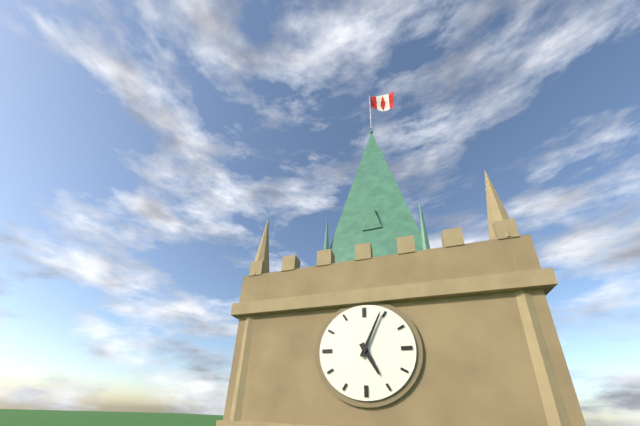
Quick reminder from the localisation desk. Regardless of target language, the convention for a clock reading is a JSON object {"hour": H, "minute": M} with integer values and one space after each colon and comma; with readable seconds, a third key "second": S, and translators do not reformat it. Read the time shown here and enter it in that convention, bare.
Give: {"hour": 5, "minute": 4}
